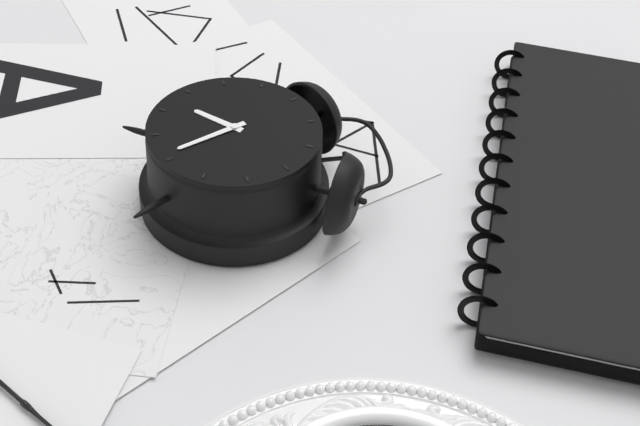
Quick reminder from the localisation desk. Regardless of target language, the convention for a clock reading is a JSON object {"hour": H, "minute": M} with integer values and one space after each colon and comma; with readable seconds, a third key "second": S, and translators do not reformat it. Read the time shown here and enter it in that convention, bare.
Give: {"hour": 7, "minute": 26}
